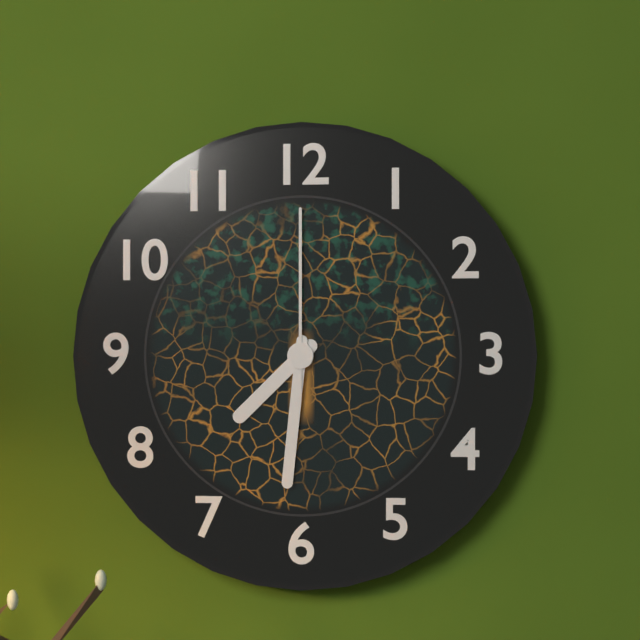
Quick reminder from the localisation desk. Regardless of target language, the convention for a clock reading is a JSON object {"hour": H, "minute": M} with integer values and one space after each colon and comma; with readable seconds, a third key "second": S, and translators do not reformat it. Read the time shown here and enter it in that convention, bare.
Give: {"hour": 7, "minute": 31, "second": 0}
